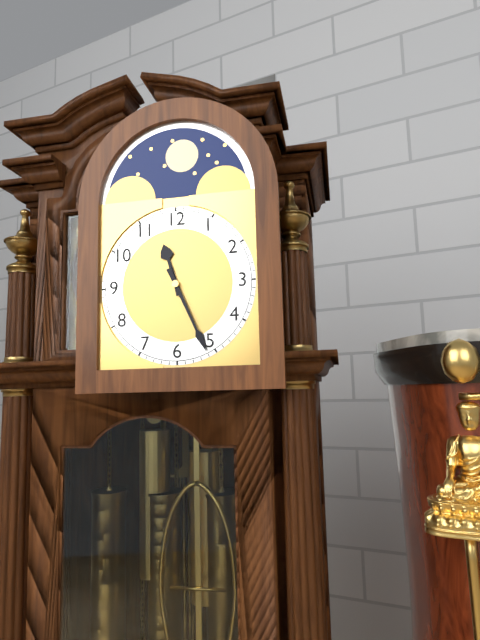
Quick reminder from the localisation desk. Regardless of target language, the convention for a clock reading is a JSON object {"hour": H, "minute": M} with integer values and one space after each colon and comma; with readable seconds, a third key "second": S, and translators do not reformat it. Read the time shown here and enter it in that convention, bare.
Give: {"hour": 11, "minute": 26}
